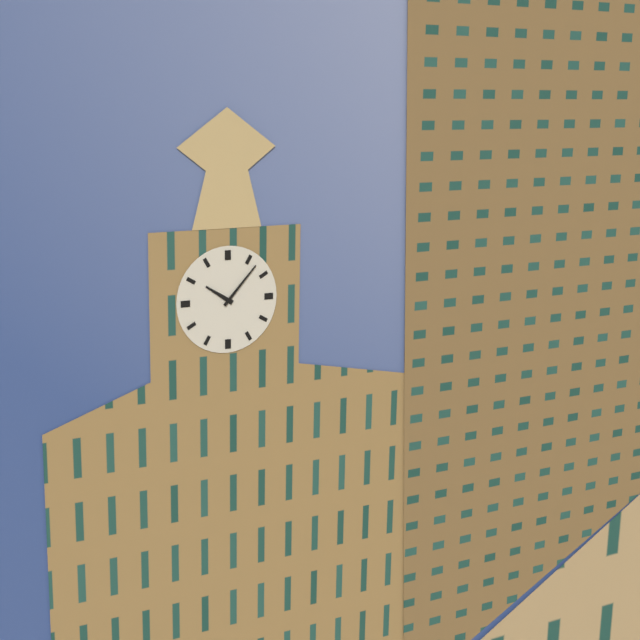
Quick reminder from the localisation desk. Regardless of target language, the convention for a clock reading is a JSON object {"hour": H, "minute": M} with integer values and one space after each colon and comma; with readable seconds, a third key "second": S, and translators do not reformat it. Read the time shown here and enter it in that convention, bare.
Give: {"hour": 10, "minute": 7}
